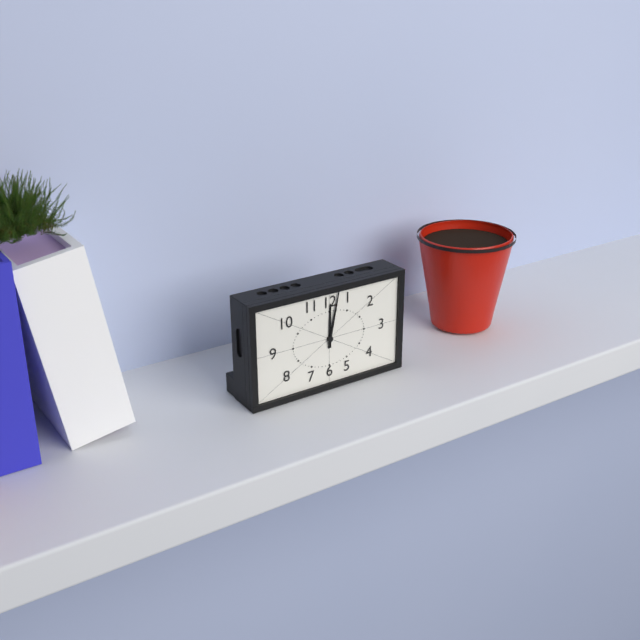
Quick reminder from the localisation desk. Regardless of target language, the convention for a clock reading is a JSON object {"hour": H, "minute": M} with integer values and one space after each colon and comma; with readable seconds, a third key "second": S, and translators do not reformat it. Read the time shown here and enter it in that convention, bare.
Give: {"hour": 12, "minute": 2}
